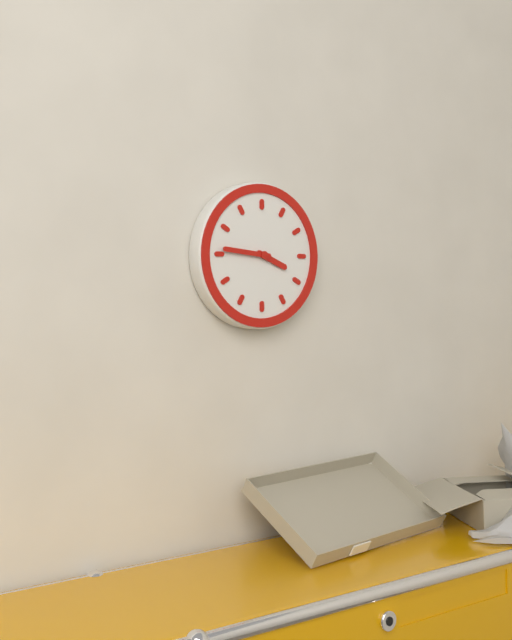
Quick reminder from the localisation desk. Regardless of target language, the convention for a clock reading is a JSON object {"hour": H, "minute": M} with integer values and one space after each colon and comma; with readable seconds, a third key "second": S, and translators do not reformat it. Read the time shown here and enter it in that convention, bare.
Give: {"hour": 3, "minute": 46}
